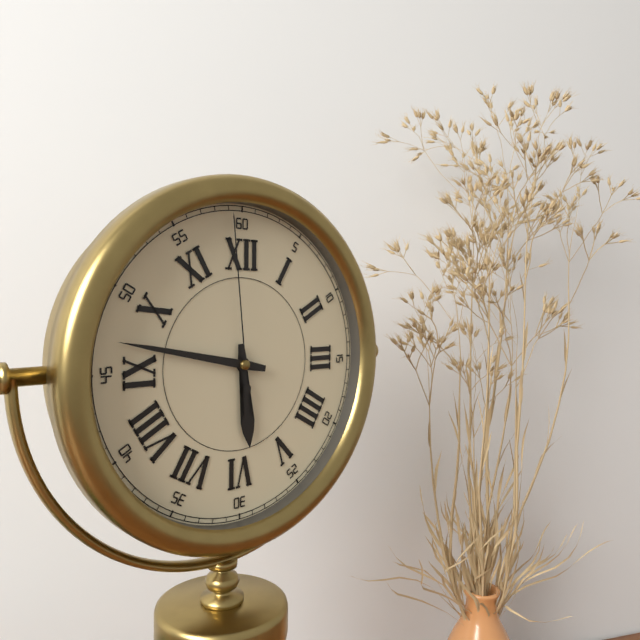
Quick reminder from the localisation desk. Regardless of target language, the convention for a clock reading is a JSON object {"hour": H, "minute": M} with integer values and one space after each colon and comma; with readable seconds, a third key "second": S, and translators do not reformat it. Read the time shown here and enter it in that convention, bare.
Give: {"hour": 5, "minute": 47, "second": 59}
